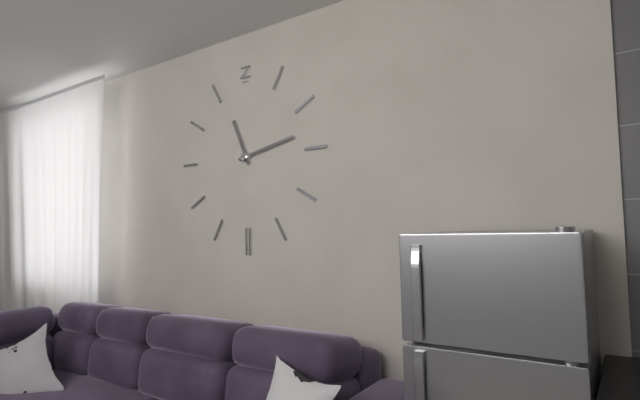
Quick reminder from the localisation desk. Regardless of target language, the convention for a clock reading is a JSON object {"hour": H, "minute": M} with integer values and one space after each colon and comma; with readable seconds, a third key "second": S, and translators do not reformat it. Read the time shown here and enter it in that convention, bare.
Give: {"hour": 11, "minute": 13}
